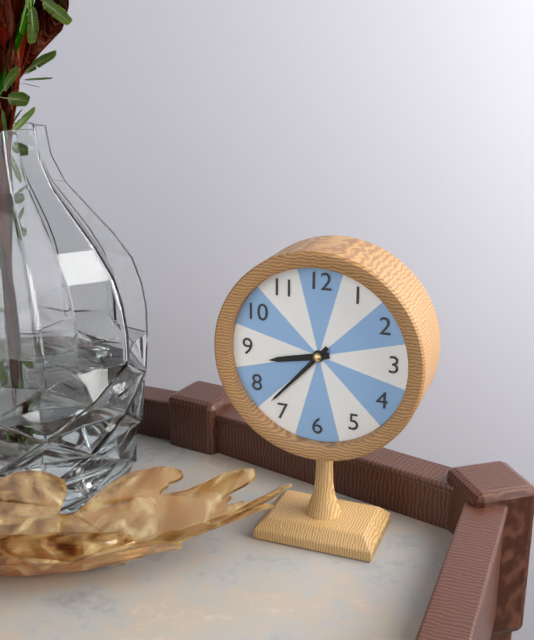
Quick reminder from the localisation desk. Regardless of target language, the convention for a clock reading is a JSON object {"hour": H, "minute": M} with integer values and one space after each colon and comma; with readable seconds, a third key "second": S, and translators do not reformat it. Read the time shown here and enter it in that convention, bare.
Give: {"hour": 8, "minute": 37}
